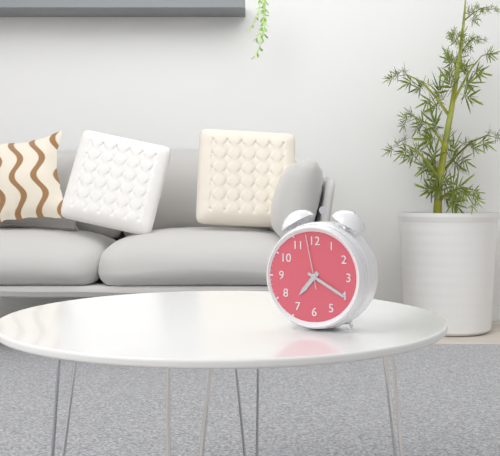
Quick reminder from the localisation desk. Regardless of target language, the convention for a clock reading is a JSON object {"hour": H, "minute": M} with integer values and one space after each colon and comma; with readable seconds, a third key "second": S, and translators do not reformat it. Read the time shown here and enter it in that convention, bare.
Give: {"hour": 7, "minute": 20, "second": 58}
